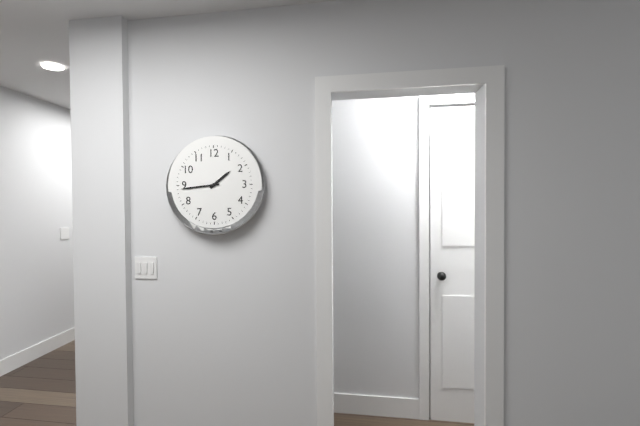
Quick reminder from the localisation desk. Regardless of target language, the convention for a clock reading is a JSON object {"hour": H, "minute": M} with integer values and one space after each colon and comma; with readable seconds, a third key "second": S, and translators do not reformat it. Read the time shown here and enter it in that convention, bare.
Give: {"hour": 1, "minute": 44}
